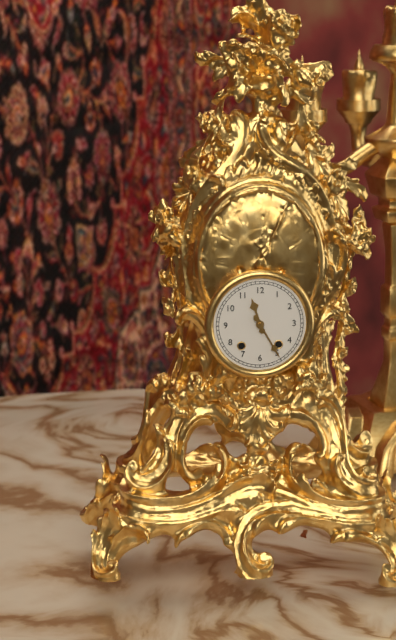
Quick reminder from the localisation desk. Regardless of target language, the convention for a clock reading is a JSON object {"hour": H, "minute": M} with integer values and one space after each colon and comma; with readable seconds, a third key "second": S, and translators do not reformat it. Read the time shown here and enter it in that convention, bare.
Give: {"hour": 11, "minute": 25}
